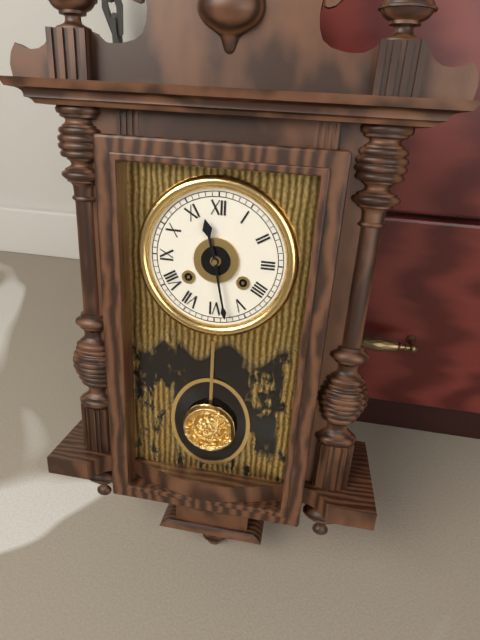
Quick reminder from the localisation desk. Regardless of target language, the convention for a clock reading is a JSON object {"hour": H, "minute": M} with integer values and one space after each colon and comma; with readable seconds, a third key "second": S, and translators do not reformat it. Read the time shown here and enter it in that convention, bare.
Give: {"hour": 11, "minute": 28}
